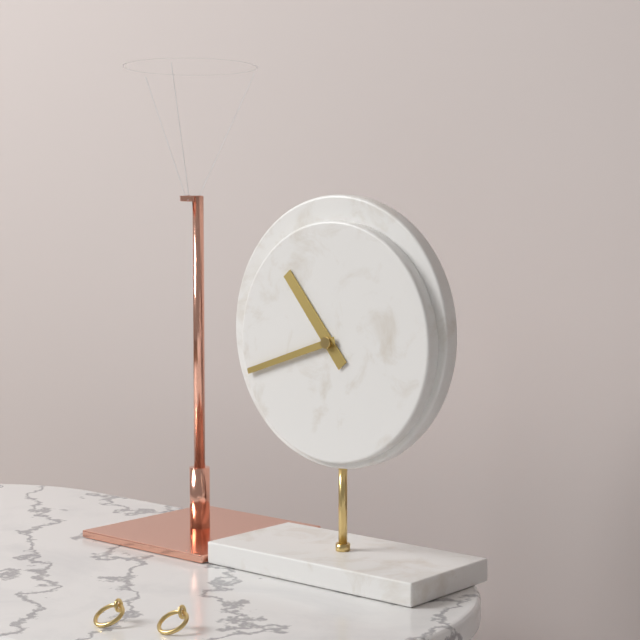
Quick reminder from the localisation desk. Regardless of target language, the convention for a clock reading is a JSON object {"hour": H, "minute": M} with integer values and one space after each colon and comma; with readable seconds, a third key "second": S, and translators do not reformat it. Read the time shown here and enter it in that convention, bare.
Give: {"hour": 10, "minute": 42}
